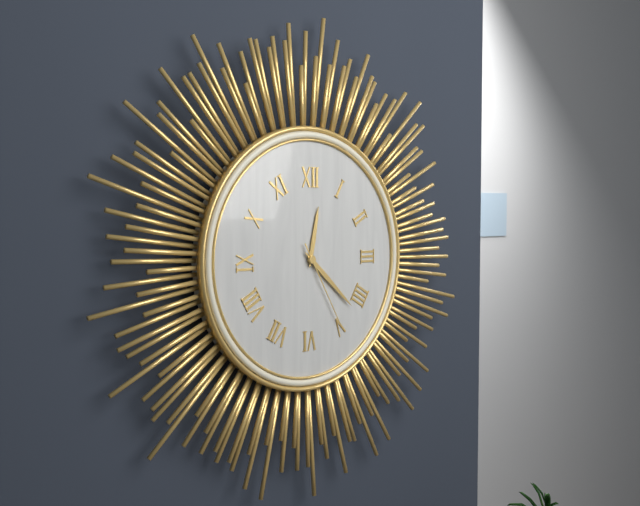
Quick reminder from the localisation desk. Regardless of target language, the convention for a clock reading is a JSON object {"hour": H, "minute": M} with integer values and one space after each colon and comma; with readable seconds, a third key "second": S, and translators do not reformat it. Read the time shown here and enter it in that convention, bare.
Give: {"hour": 12, "minute": 22, "second": 25}
